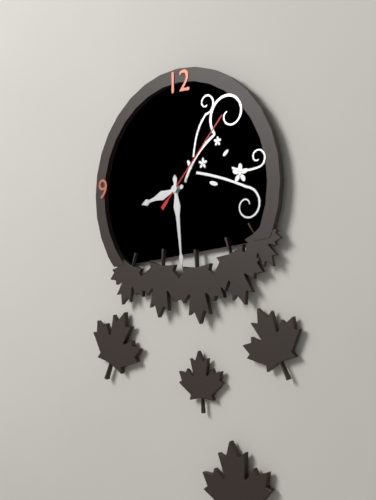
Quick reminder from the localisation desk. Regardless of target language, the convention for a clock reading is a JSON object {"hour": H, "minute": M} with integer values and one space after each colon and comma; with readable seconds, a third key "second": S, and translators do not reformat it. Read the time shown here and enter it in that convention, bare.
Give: {"hour": 8, "minute": 29, "second": 7}
